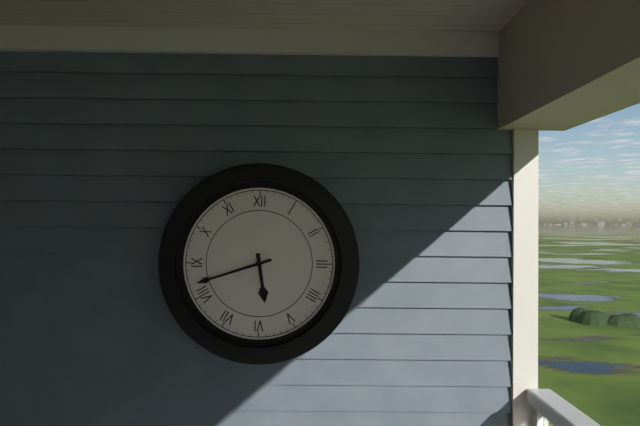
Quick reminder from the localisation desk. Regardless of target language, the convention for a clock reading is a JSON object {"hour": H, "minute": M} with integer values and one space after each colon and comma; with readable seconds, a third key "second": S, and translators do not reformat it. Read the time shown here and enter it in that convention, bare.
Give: {"hour": 5, "minute": 42}
